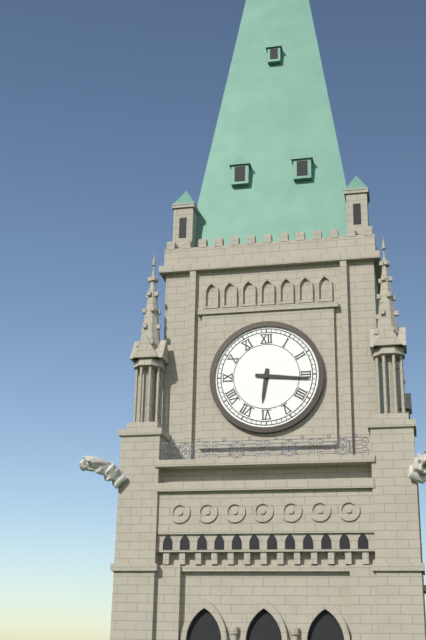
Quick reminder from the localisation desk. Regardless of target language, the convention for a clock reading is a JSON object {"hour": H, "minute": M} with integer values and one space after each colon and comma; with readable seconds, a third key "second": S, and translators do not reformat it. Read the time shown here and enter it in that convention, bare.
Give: {"hour": 6, "minute": 16}
